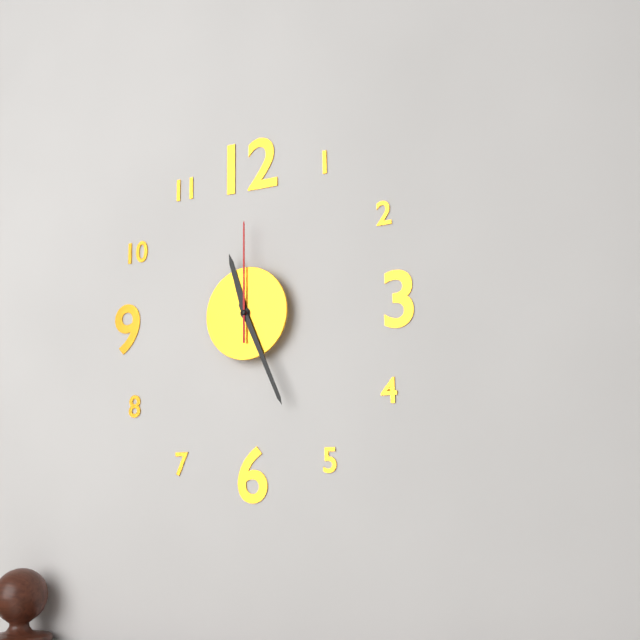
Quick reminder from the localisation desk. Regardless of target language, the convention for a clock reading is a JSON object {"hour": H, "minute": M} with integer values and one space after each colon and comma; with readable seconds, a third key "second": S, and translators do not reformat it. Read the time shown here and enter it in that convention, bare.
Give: {"hour": 11, "minute": 26, "second": 0}
